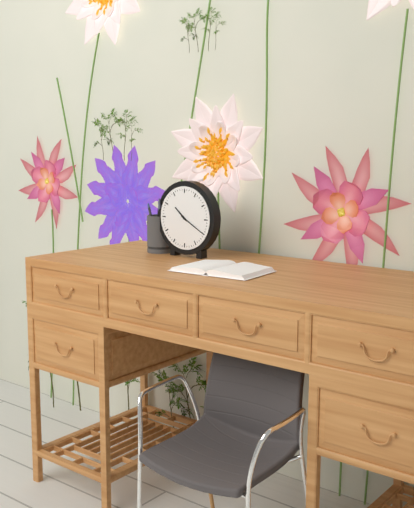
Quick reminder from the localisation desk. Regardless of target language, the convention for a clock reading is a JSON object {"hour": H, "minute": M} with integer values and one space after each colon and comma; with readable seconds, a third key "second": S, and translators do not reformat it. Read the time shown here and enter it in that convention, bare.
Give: {"hour": 10, "minute": 20}
